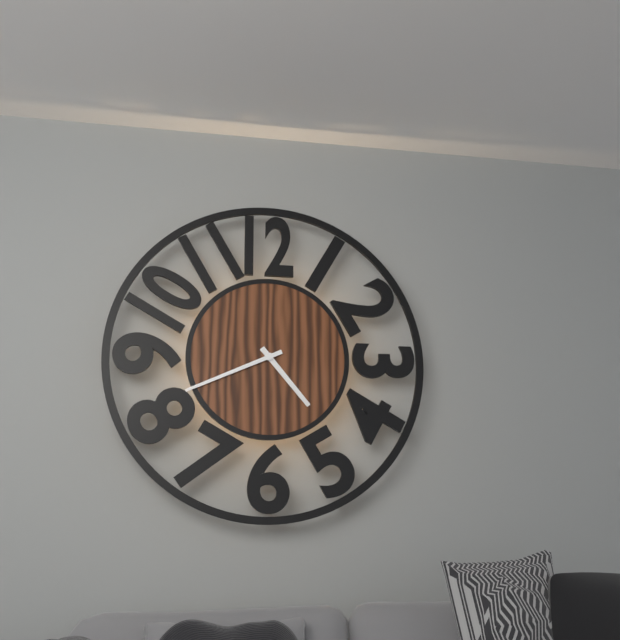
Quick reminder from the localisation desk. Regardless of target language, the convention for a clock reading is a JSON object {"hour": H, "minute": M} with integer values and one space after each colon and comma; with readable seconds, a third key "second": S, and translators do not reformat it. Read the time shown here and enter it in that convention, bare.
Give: {"hour": 4, "minute": 41}
